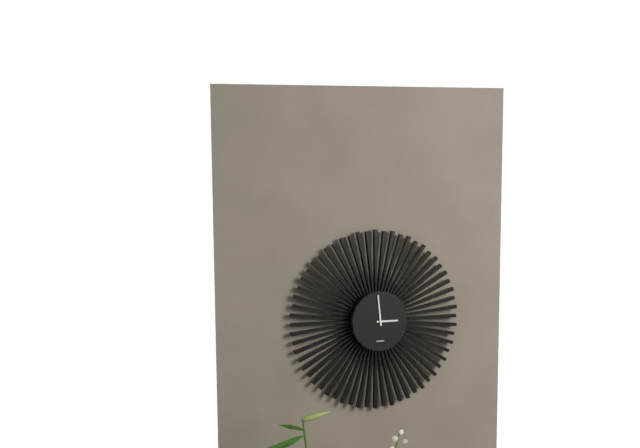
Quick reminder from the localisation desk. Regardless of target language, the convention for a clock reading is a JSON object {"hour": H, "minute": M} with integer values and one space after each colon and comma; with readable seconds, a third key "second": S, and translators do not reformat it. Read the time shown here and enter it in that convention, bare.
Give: {"hour": 2, "minute": 59}
